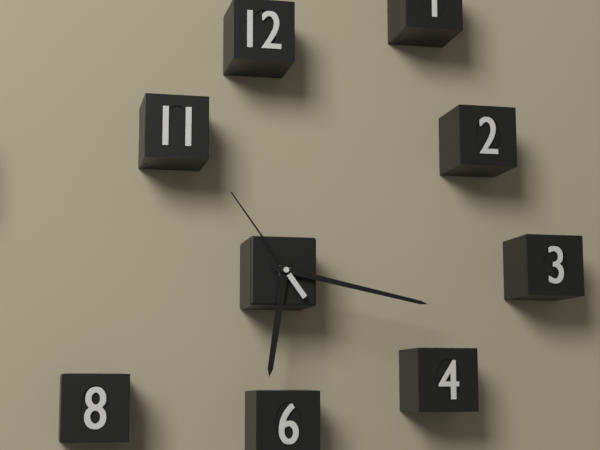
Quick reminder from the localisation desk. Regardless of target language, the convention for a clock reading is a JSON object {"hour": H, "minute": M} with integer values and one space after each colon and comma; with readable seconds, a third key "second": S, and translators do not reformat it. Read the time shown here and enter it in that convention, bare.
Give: {"hour": 6, "minute": 17, "second": 54}
